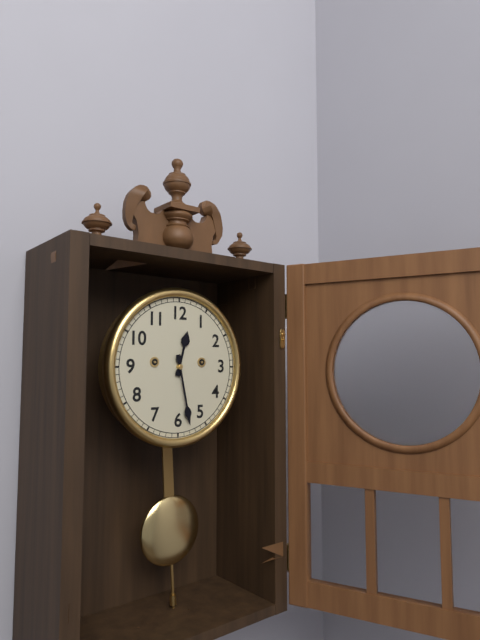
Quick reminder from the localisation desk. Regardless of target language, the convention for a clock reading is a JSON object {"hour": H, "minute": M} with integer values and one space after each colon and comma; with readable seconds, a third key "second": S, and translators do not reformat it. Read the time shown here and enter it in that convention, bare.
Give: {"hour": 12, "minute": 28}
